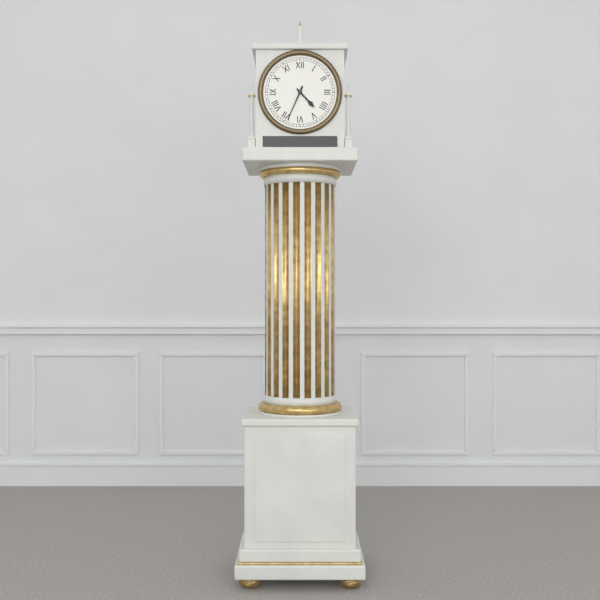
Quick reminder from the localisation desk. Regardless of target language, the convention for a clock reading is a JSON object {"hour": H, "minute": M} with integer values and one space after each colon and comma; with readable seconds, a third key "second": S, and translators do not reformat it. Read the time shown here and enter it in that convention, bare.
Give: {"hour": 4, "minute": 34}
